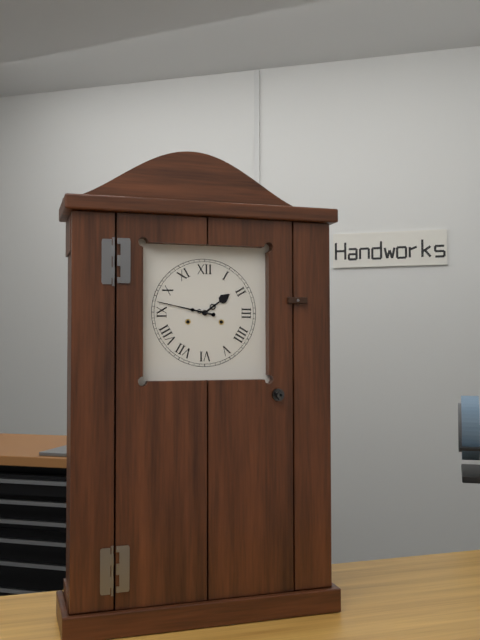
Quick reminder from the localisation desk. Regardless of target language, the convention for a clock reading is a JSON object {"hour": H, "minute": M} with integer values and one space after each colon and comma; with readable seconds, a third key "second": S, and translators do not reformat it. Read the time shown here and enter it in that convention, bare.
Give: {"hour": 1, "minute": 47}
